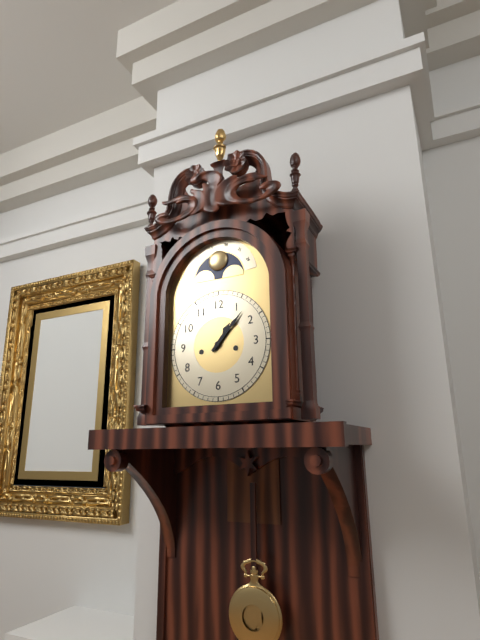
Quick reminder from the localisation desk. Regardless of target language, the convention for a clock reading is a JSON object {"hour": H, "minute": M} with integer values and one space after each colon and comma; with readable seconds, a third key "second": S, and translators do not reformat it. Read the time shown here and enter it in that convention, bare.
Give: {"hour": 1, "minute": 7}
